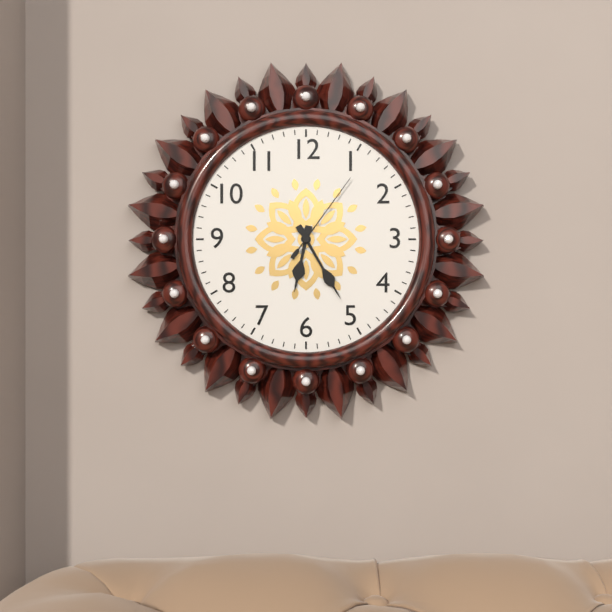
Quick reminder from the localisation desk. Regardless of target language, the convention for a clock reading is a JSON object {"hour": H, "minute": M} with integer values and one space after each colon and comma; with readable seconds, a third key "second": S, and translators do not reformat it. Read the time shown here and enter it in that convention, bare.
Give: {"hour": 6, "minute": 25, "second": 6}
